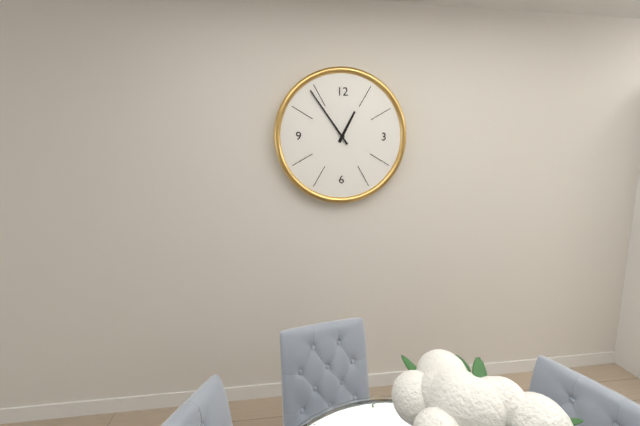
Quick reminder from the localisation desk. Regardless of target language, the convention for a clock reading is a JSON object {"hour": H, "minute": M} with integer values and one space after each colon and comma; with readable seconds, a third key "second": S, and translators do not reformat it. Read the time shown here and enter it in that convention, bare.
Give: {"hour": 12, "minute": 54}
